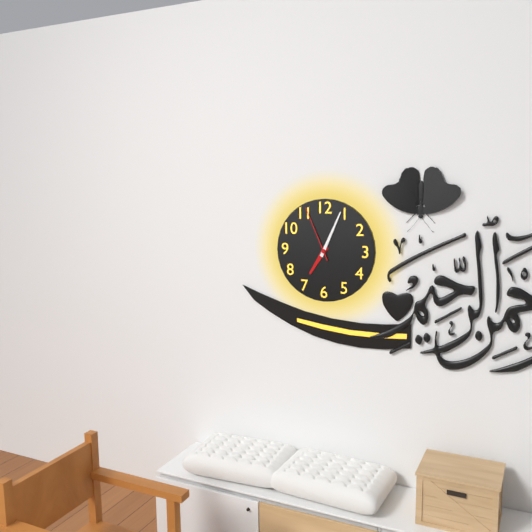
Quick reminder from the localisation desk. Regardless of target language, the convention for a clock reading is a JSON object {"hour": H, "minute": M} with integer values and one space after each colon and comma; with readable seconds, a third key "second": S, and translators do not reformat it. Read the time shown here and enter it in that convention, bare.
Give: {"hour": 7, "minute": 4, "second": 56}
